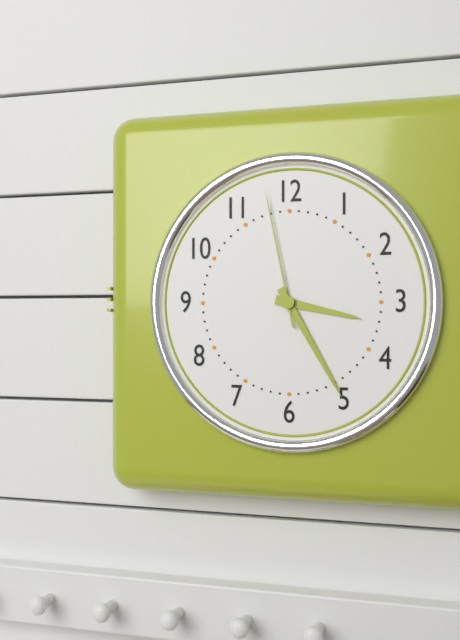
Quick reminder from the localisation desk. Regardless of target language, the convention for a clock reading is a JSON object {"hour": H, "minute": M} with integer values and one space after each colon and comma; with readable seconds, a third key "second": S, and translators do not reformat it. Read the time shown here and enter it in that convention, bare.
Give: {"hour": 3, "minute": 25, "second": 58}
